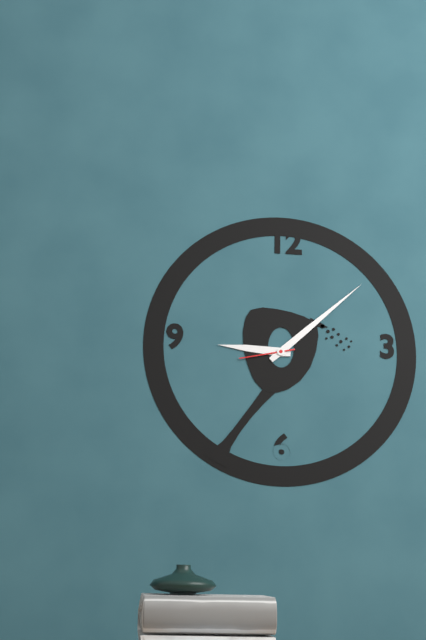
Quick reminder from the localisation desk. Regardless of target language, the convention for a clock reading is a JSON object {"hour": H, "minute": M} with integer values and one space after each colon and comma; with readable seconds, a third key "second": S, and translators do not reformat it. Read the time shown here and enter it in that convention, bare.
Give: {"hour": 9, "minute": 8, "second": 43}
